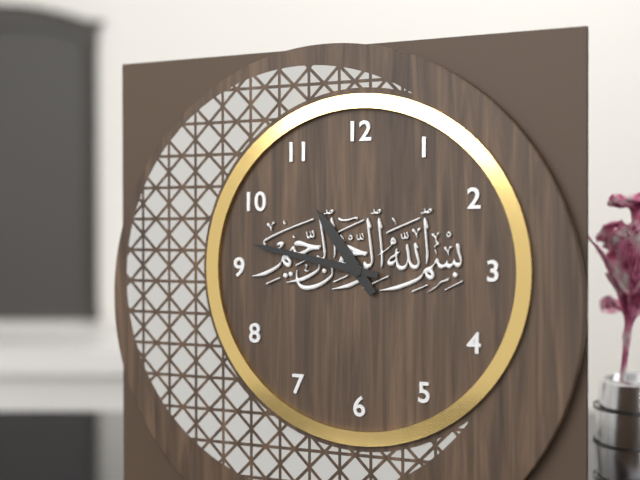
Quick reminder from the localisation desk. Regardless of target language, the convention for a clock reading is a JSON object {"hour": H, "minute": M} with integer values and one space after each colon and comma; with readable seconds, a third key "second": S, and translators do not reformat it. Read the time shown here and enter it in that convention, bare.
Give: {"hour": 10, "minute": 47}
